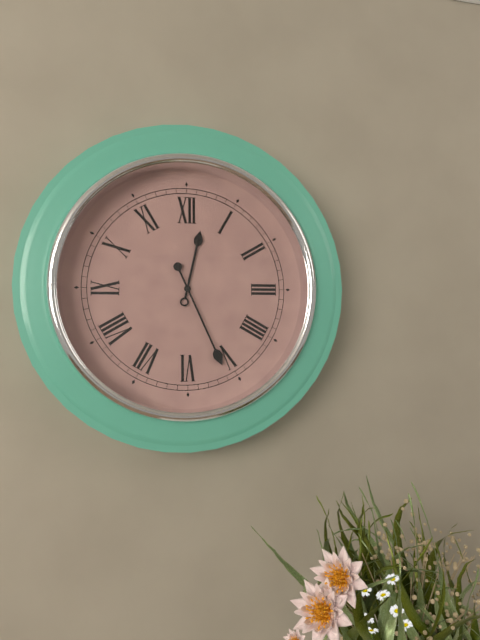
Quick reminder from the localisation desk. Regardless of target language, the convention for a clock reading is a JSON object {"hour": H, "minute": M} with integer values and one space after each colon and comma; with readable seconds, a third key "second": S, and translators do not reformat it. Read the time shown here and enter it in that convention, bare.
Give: {"hour": 12, "minute": 26}
